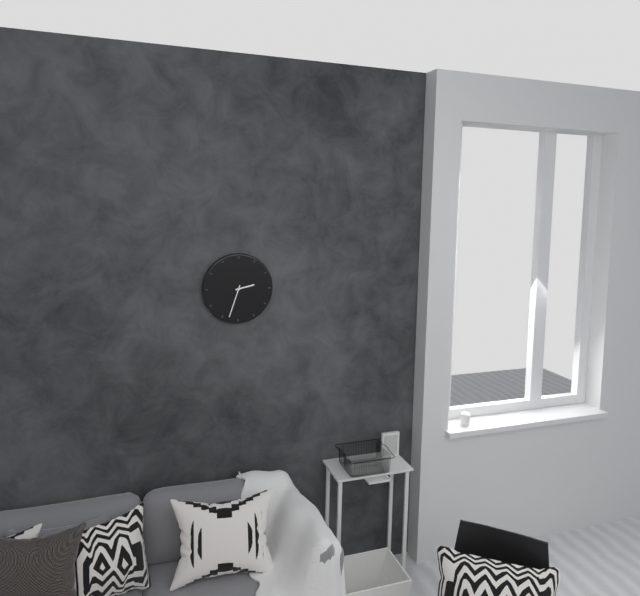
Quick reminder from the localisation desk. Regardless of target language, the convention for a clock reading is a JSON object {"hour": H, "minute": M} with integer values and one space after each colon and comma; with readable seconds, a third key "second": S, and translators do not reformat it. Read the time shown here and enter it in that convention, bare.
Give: {"hour": 2, "minute": 33}
